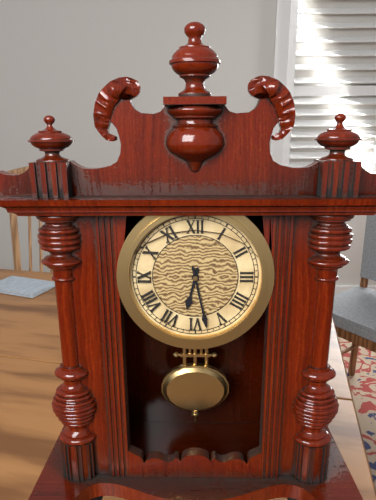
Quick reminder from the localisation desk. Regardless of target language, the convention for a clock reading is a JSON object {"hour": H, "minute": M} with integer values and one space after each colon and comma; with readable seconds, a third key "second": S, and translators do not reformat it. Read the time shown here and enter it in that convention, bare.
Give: {"hour": 6, "minute": 28}
